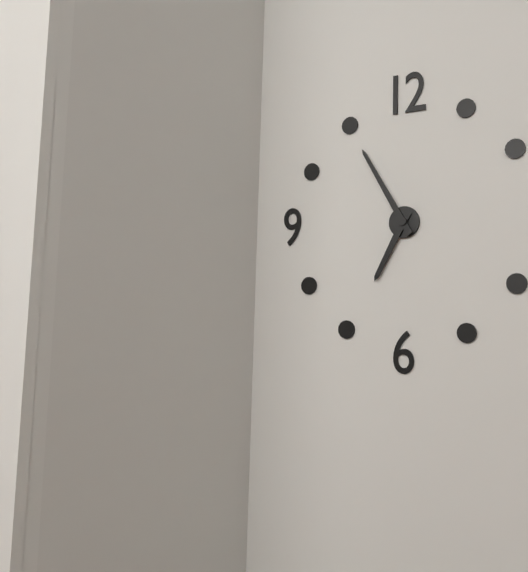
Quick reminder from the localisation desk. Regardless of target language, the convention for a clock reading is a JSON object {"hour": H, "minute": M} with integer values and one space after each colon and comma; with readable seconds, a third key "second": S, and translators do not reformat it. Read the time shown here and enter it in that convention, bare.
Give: {"hour": 6, "minute": 55}
